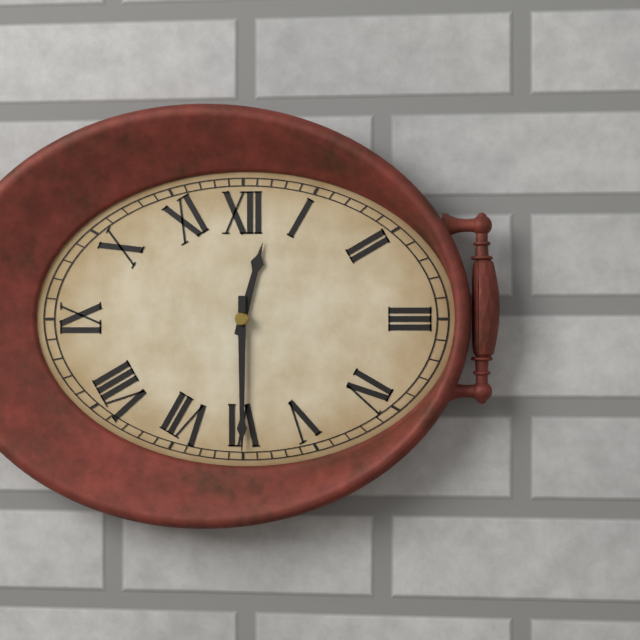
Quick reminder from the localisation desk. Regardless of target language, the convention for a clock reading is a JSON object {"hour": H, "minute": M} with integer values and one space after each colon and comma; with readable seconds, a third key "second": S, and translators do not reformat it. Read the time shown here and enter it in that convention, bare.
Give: {"hour": 12, "minute": 30}
